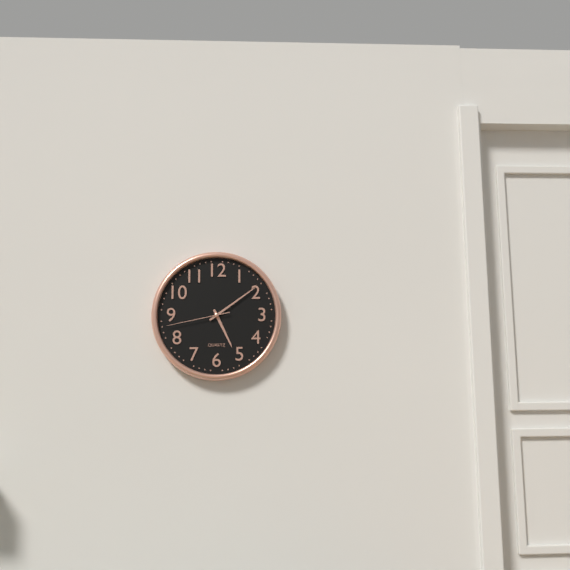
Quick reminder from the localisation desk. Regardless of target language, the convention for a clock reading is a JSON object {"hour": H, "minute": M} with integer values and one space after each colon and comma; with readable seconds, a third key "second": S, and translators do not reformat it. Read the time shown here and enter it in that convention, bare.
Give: {"hour": 5, "minute": 9, "second": 43}
